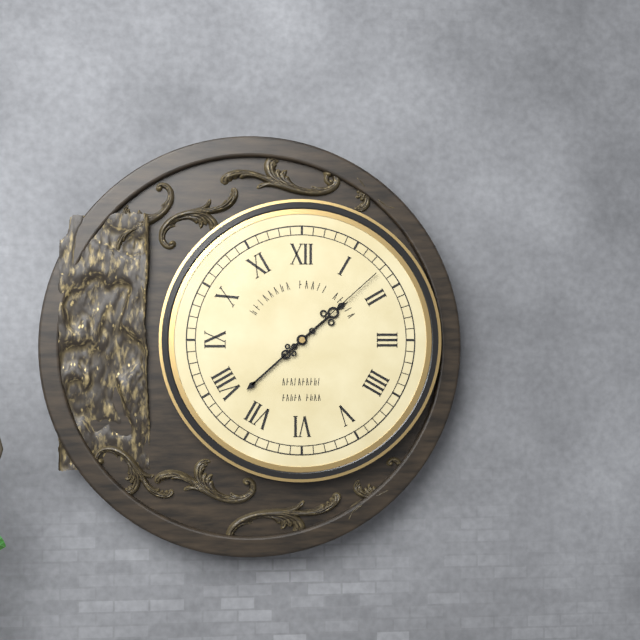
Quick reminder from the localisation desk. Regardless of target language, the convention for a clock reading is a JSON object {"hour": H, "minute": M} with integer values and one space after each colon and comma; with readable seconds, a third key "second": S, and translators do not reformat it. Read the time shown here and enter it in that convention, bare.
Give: {"hour": 1, "minute": 38, "second": 8}
